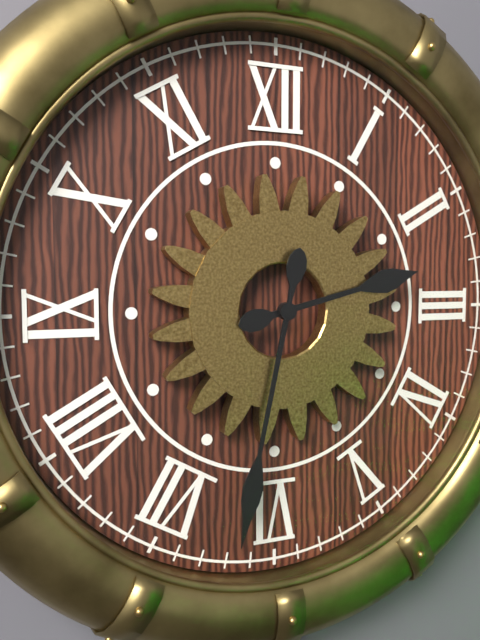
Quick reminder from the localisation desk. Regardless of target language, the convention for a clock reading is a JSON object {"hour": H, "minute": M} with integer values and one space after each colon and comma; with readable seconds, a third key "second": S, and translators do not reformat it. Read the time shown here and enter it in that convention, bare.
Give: {"hour": 2, "minute": 32}
